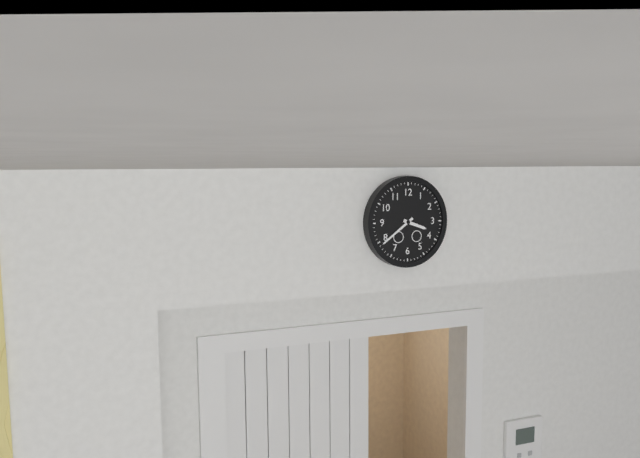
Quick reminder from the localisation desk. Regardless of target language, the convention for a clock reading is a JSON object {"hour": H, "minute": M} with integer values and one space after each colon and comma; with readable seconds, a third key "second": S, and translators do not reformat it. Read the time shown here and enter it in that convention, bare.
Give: {"hour": 3, "minute": 39}
